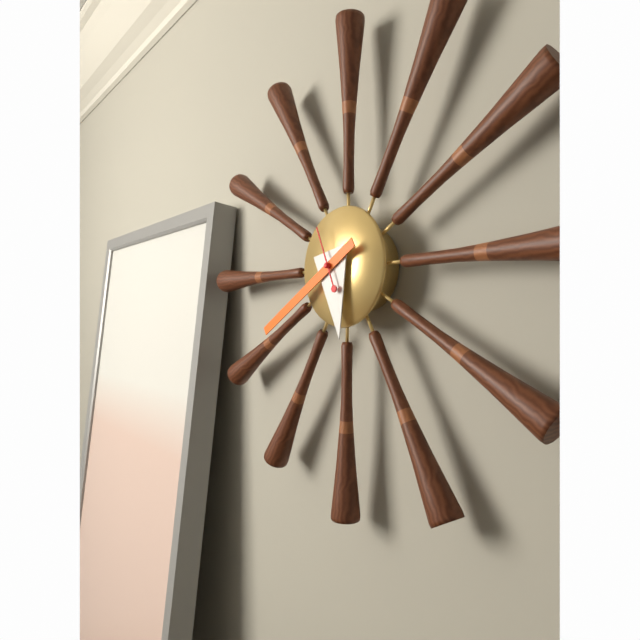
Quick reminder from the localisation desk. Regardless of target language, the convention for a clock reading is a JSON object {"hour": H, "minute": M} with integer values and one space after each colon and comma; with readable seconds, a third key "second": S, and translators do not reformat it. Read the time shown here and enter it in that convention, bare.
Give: {"hour": 5, "minute": 40, "second": 56}
